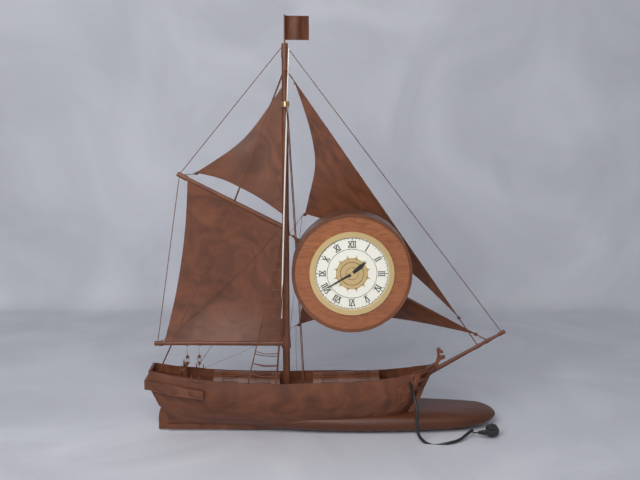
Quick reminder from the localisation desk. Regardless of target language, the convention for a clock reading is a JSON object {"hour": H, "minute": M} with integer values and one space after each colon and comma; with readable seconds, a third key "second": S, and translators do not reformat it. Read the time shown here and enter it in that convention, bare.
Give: {"hour": 1, "minute": 40}
